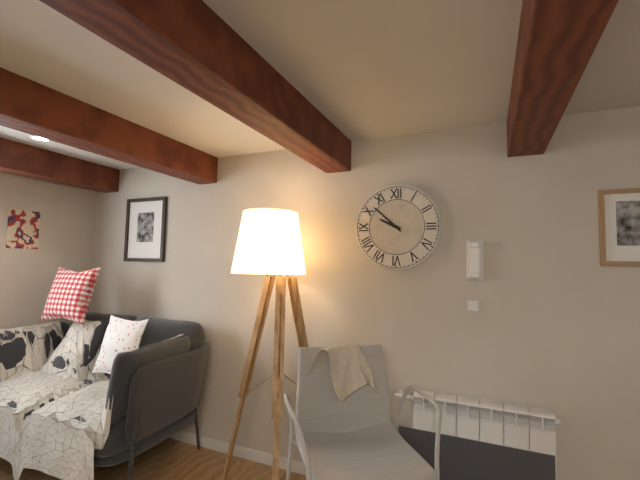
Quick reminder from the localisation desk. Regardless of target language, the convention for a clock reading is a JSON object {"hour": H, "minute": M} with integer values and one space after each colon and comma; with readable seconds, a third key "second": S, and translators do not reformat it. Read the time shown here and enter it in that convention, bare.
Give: {"hour": 9, "minute": 52}
